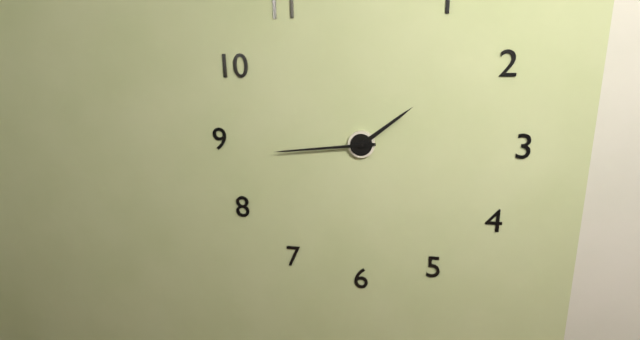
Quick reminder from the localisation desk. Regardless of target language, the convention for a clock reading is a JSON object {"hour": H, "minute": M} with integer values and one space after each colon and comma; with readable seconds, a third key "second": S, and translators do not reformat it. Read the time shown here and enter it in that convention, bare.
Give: {"hour": 1, "minute": 44}
